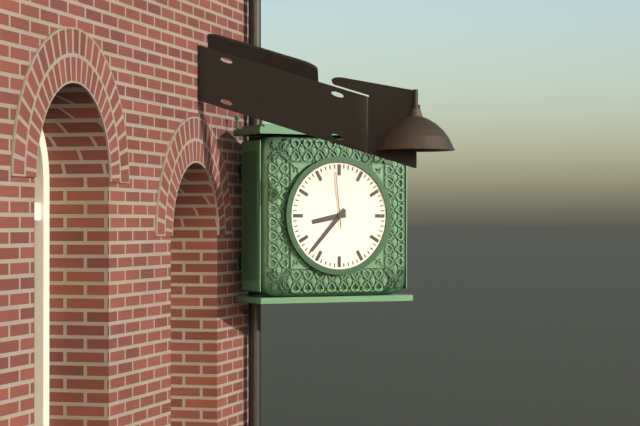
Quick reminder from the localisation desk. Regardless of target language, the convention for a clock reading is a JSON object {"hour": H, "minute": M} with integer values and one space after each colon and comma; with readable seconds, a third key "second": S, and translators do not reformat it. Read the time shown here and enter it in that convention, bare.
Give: {"hour": 8, "minute": 37, "second": 59}
